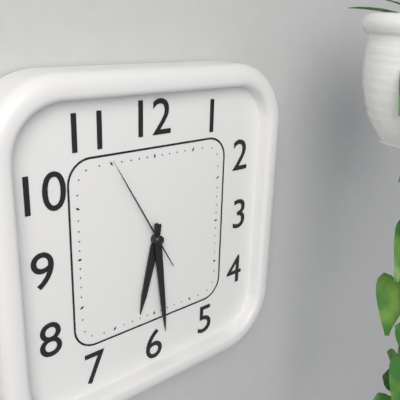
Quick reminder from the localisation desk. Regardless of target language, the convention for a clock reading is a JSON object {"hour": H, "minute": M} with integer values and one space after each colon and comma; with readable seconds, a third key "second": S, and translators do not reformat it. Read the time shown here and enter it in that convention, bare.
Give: {"hour": 6, "minute": 29, "second": 55}
